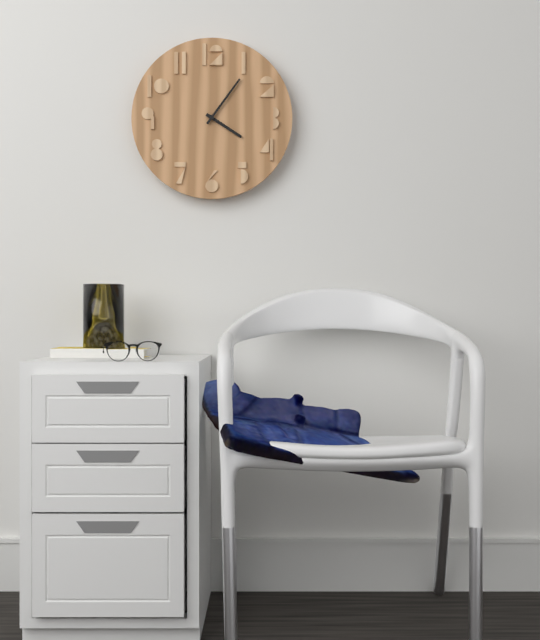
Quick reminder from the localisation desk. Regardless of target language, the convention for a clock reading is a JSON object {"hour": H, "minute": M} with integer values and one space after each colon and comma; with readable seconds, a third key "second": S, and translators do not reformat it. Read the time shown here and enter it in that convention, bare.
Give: {"hour": 4, "minute": 6}
